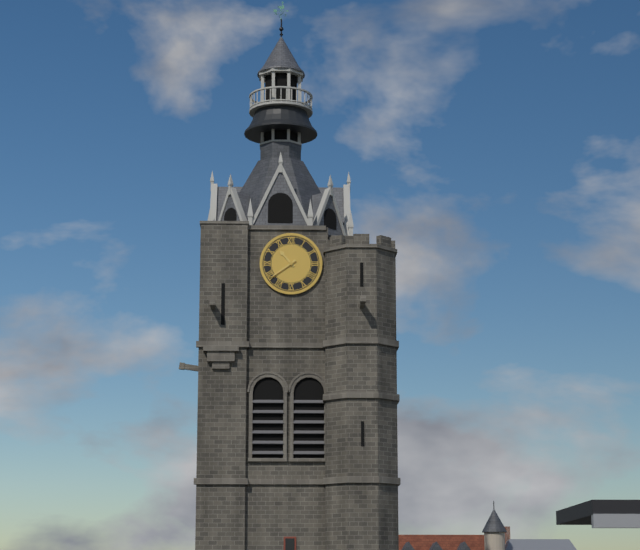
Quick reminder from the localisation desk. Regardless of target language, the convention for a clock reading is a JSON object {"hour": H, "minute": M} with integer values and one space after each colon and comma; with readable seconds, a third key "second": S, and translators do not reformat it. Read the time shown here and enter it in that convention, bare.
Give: {"hour": 10, "minute": 39}
